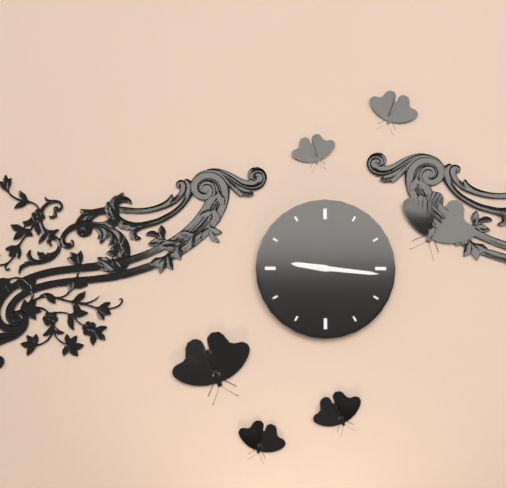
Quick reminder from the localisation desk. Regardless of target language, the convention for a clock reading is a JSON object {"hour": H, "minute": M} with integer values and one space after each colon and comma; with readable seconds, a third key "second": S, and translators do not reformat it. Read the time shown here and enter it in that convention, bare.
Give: {"hour": 9, "minute": 16}
